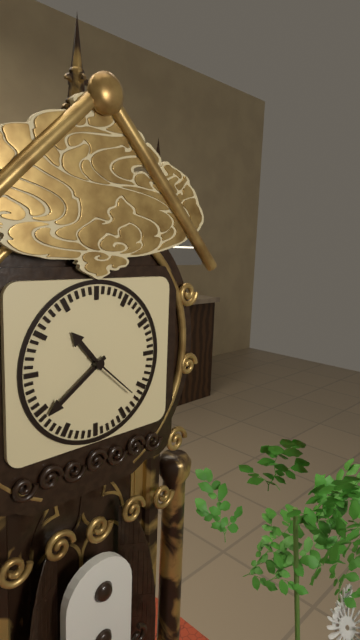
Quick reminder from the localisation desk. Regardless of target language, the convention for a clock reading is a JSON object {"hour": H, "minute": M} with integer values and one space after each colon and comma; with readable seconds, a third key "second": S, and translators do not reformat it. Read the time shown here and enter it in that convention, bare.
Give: {"hour": 10, "minute": 39}
